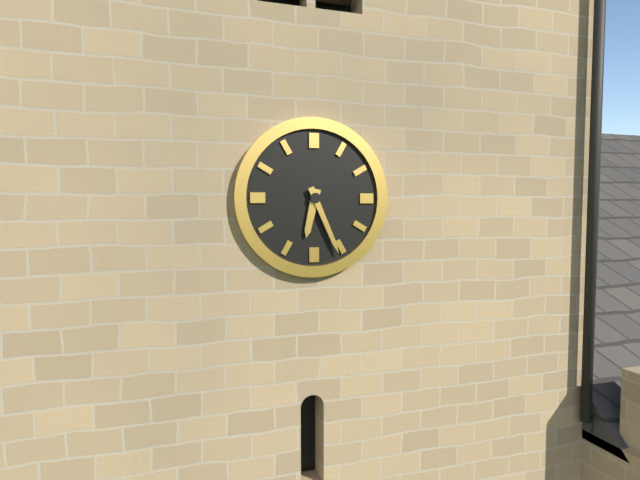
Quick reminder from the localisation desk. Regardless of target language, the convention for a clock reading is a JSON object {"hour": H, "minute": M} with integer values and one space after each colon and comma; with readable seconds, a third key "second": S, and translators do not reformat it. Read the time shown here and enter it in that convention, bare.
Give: {"hour": 6, "minute": 26}
